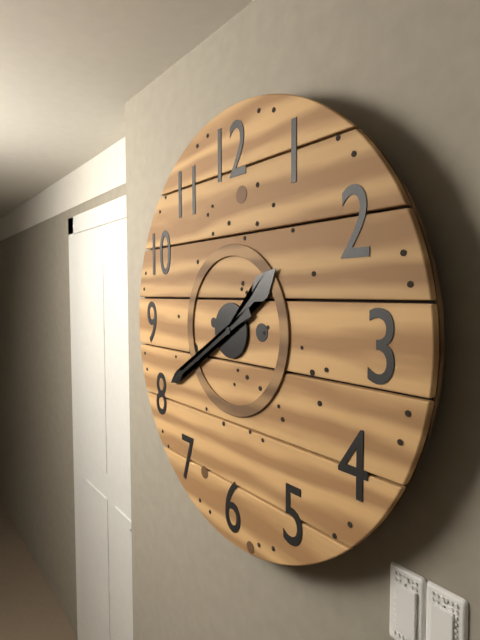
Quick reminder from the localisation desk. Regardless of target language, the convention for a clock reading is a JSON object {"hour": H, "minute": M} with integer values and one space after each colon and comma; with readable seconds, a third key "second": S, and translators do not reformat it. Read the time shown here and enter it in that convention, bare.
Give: {"hour": 1, "minute": 40}
